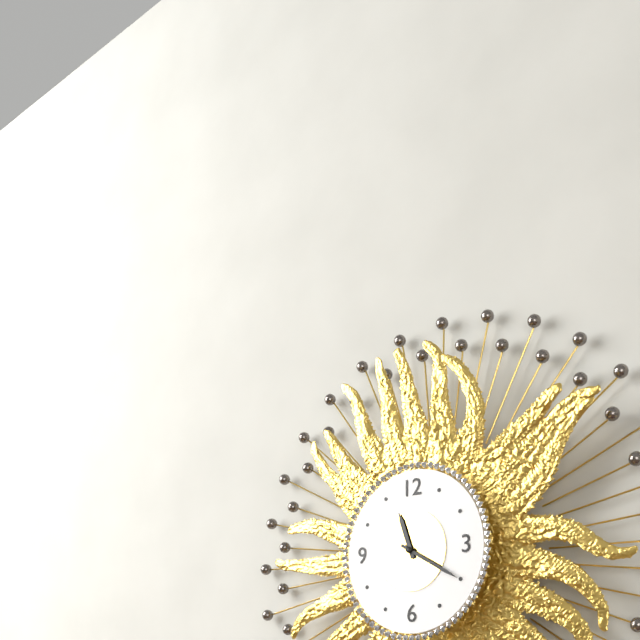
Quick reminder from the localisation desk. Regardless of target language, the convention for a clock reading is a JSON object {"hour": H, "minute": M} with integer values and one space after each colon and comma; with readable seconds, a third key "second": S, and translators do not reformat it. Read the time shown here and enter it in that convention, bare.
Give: {"hour": 11, "minute": 20}
